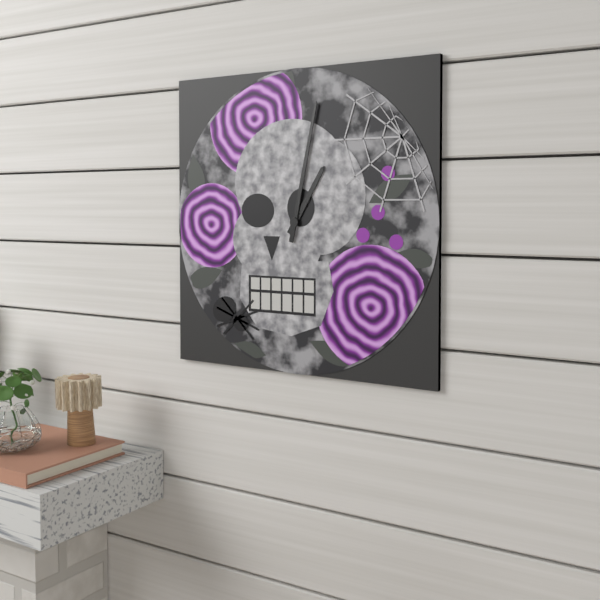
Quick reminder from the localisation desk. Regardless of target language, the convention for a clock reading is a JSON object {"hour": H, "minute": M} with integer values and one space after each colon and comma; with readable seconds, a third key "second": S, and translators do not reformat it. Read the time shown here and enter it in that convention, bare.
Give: {"hour": 1, "minute": 2}
